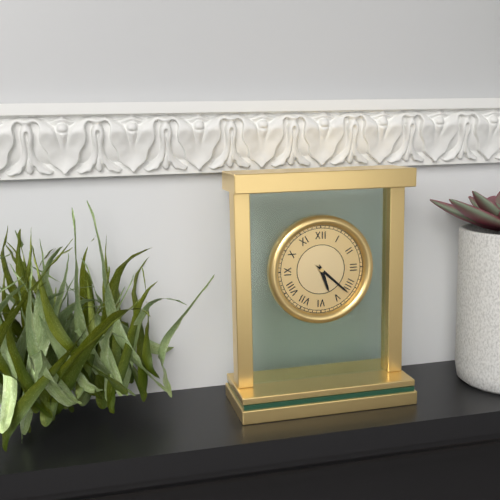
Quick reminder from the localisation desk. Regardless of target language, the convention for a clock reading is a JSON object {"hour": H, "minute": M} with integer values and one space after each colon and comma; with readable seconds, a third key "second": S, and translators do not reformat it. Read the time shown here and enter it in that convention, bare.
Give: {"hour": 5, "minute": 22}
